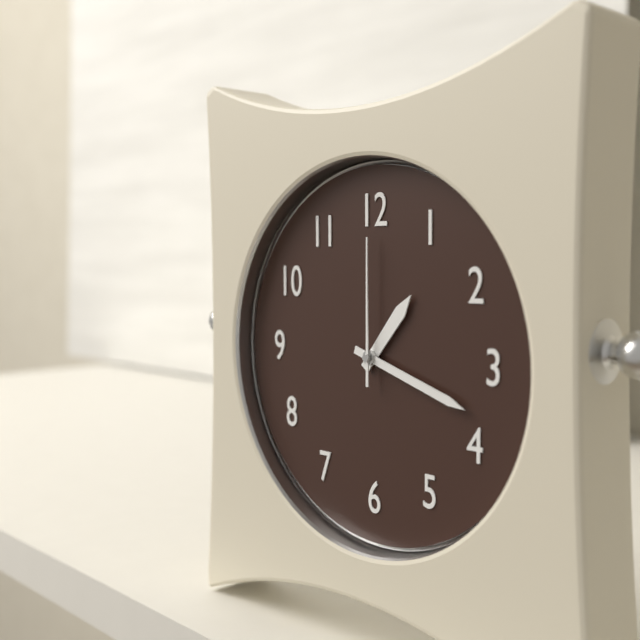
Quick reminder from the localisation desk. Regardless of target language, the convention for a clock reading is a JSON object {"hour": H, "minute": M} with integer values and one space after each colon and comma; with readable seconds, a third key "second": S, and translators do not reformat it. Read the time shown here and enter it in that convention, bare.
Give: {"hour": 1, "minute": 18, "second": 0}
